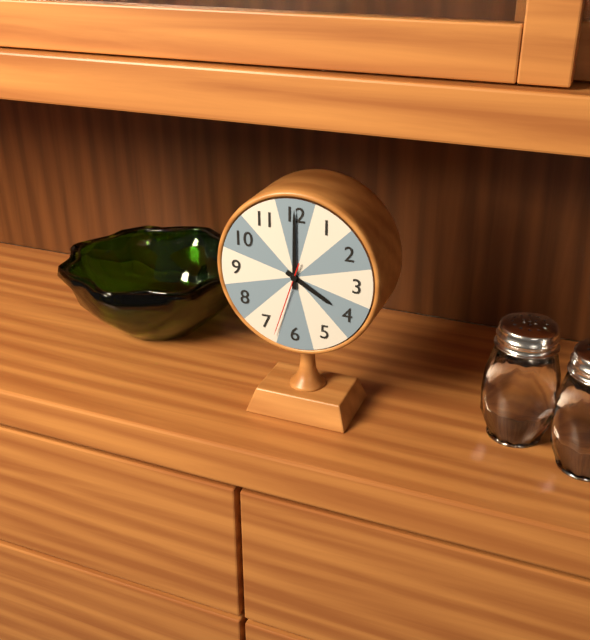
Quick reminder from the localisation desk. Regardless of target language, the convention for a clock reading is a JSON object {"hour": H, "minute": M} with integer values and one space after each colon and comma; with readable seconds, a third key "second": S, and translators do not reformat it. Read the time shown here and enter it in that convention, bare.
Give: {"hour": 4, "minute": 0, "second": 33}
